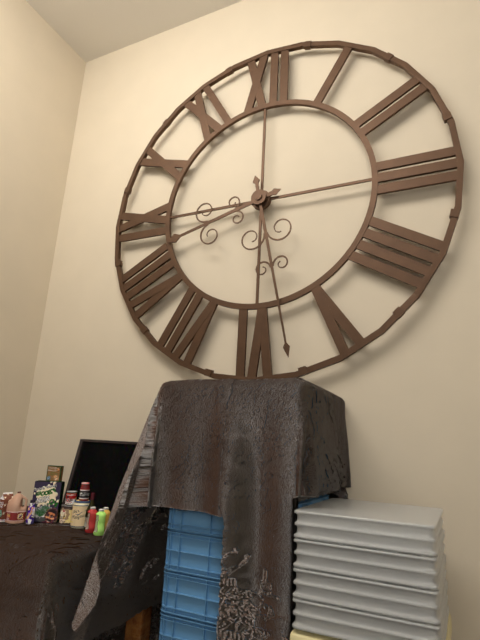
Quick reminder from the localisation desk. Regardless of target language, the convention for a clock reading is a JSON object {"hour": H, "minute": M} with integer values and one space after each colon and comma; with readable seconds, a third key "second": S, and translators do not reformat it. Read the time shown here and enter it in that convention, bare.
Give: {"hour": 8, "minute": 28}
